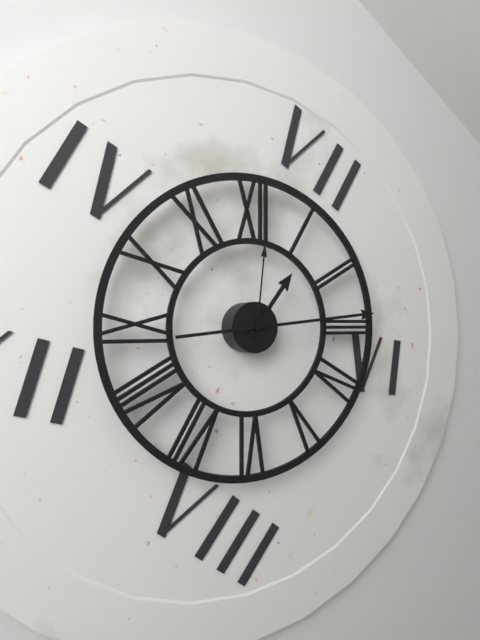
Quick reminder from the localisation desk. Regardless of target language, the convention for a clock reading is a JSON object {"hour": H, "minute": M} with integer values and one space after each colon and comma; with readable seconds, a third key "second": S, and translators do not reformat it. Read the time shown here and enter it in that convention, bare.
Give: {"hour": 1, "minute": 14, "second": 1}
